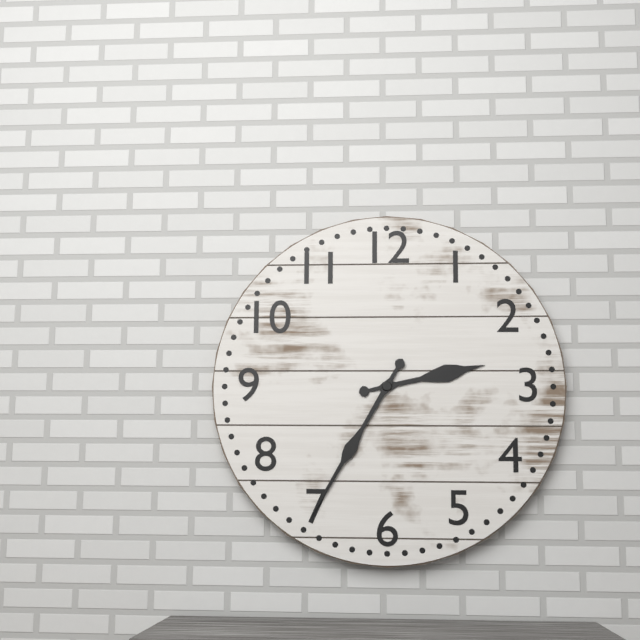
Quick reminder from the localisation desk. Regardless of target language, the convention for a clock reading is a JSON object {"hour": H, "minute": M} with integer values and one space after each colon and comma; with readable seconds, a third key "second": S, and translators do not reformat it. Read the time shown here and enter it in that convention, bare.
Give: {"hour": 2, "minute": 35}
